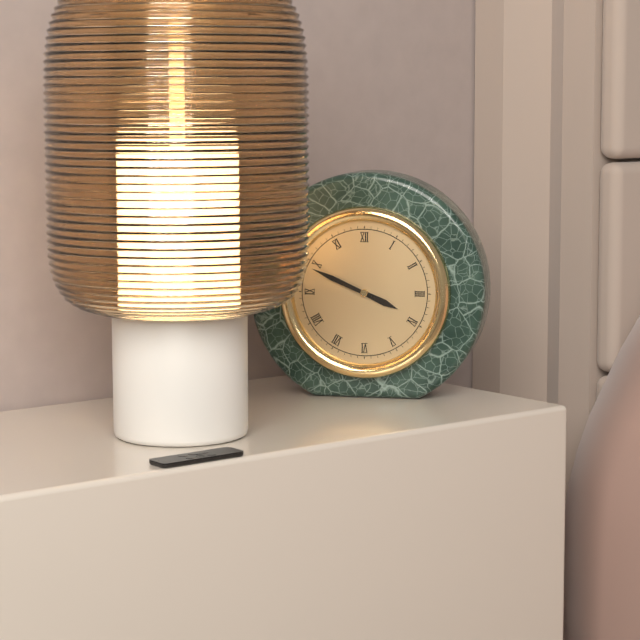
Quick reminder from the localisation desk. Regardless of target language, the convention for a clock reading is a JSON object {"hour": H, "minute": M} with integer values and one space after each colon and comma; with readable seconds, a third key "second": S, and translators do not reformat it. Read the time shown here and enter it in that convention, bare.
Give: {"hour": 3, "minute": 49}
